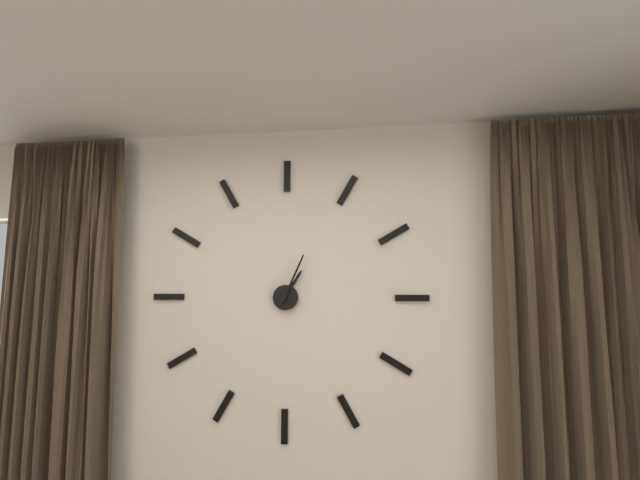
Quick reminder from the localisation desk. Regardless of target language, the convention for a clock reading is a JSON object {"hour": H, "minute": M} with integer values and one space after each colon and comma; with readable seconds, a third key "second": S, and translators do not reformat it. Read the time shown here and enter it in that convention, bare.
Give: {"hour": 1, "minute": 4}
